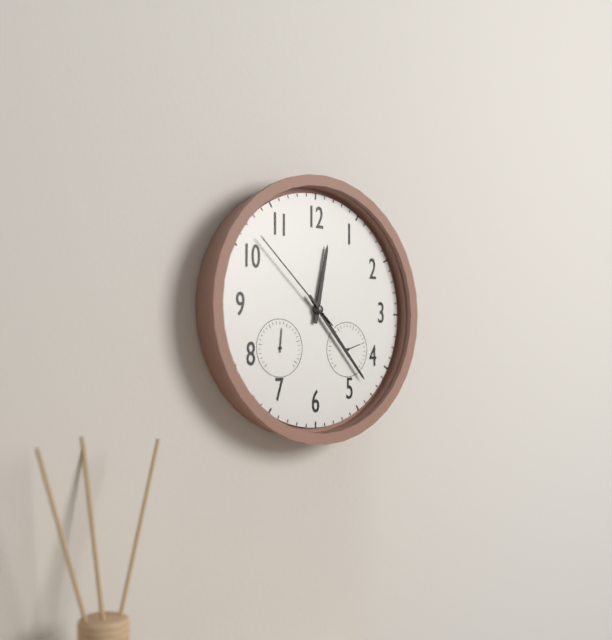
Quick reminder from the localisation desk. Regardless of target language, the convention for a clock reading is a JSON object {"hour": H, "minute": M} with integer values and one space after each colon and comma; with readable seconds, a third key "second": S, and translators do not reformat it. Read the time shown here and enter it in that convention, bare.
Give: {"hour": 12, "minute": 23, "second": 52}
